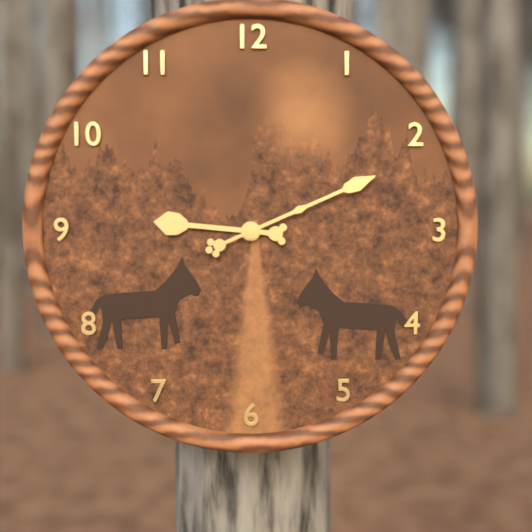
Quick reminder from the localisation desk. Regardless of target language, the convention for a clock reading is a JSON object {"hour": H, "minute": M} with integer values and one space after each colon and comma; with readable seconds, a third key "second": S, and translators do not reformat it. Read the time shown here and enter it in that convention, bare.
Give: {"hour": 9, "minute": 11}
